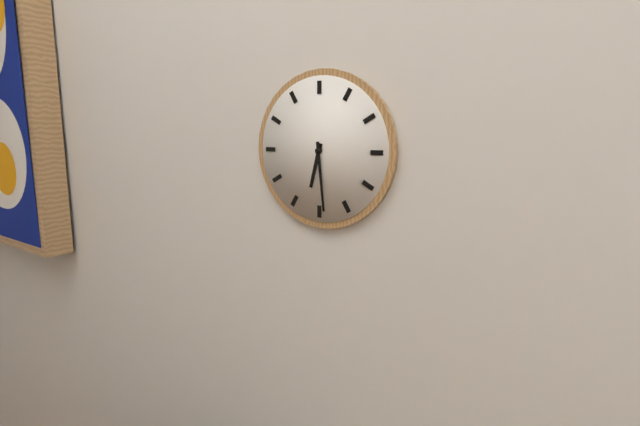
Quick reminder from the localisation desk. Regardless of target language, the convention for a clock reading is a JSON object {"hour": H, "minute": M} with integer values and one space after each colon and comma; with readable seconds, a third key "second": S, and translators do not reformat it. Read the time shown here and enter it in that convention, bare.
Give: {"hour": 6, "minute": 29}
